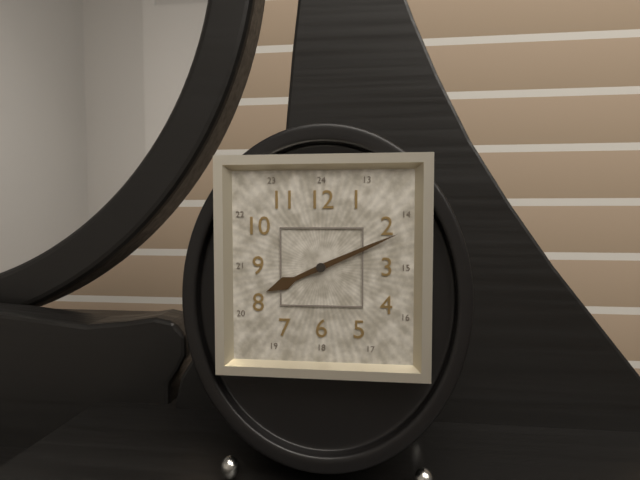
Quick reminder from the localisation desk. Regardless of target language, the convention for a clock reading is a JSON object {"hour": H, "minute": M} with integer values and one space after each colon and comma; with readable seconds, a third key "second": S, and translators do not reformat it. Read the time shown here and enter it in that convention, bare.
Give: {"hour": 8, "minute": 11}
